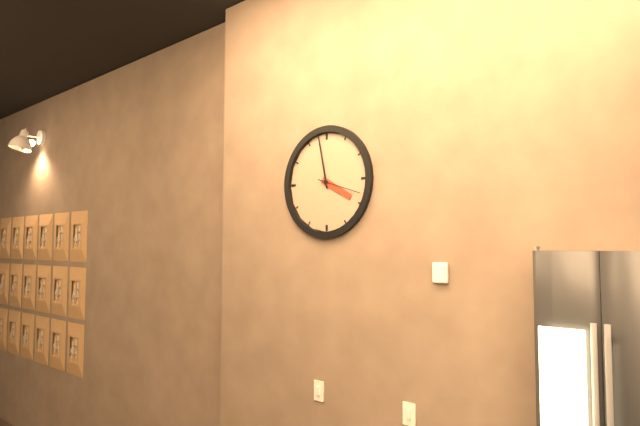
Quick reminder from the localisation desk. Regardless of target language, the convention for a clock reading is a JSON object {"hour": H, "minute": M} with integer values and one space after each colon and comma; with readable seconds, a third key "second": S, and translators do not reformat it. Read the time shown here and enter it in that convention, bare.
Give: {"hour": 3, "minute": 58}
